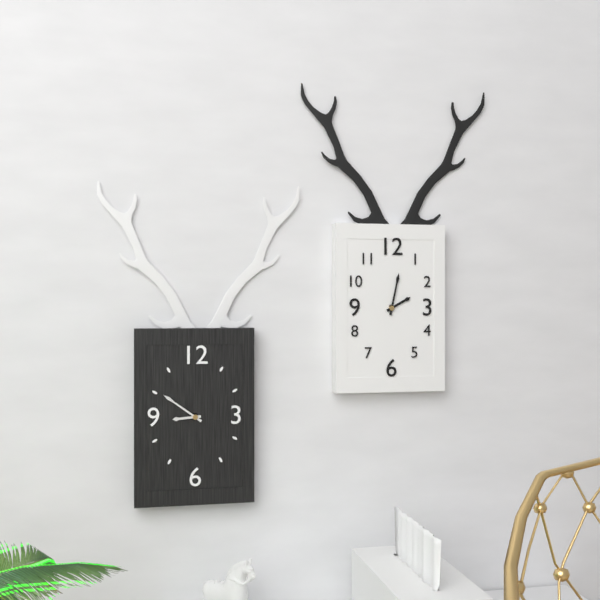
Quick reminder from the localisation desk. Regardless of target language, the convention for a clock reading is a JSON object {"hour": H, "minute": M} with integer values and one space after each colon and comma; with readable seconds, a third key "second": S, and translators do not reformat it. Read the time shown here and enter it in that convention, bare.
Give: {"hour": 8, "minute": 51}
